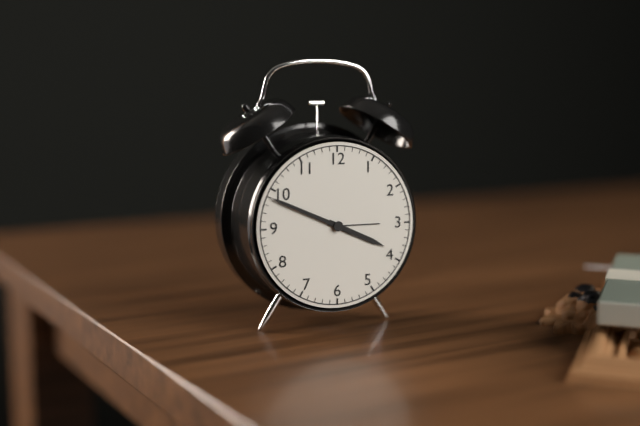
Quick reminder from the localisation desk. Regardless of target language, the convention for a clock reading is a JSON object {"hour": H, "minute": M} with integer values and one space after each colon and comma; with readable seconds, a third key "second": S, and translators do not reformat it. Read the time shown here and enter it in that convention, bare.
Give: {"hour": 3, "minute": 49}
